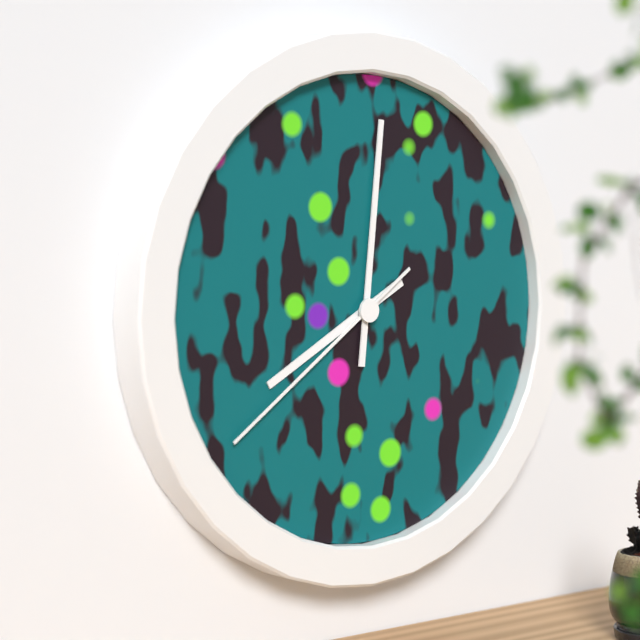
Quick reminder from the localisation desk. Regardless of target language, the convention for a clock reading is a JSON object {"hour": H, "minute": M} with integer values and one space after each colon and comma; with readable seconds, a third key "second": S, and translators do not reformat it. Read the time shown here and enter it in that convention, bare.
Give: {"hour": 8, "minute": 1, "second": 39}
